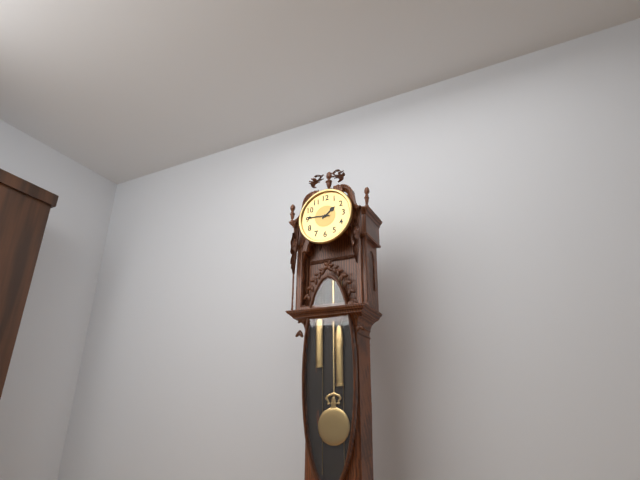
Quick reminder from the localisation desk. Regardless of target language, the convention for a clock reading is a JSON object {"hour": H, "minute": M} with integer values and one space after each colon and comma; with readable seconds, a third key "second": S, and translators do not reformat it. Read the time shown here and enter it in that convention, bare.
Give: {"hour": 1, "minute": 46}
